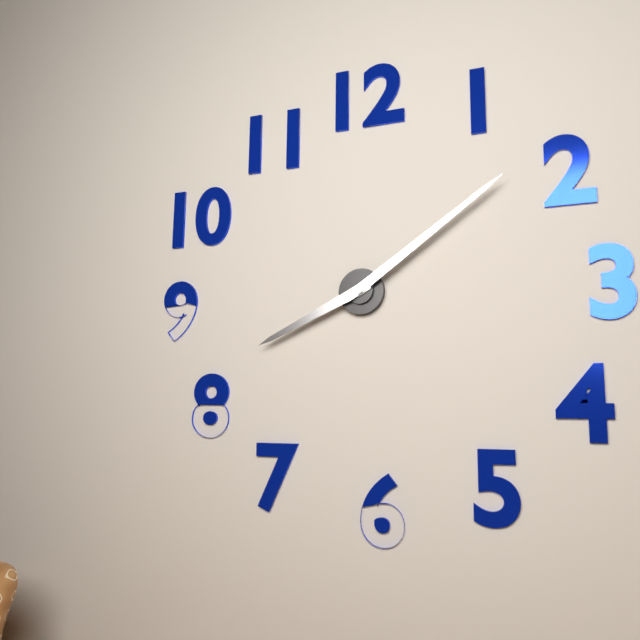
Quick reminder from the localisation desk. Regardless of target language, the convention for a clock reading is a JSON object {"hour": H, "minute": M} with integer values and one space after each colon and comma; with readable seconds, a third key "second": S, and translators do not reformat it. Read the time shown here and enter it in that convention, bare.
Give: {"hour": 8, "minute": 9}
